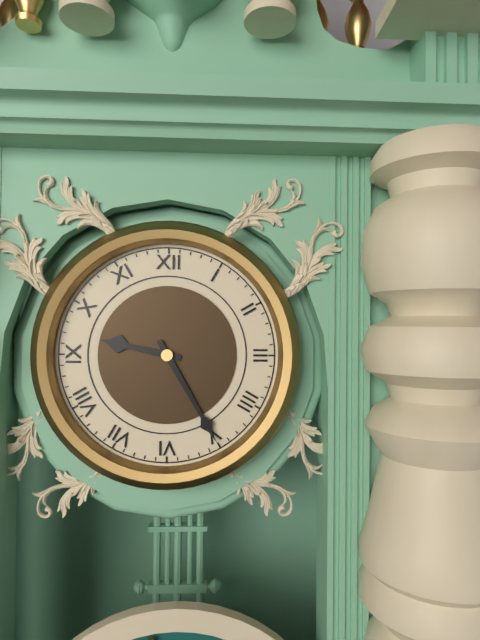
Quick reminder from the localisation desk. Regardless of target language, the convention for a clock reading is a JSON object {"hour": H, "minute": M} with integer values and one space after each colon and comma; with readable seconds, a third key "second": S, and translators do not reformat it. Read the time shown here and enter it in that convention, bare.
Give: {"hour": 9, "minute": 25}
